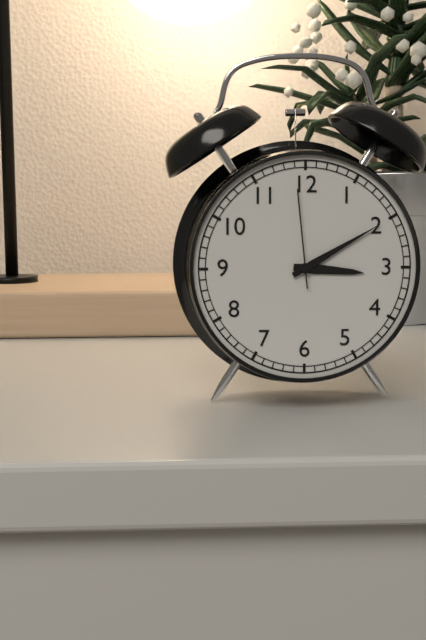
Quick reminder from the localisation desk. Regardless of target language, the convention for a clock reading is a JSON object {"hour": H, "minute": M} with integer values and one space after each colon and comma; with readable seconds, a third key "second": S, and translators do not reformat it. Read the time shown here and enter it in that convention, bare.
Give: {"hour": 3, "minute": 10, "second": 59}
